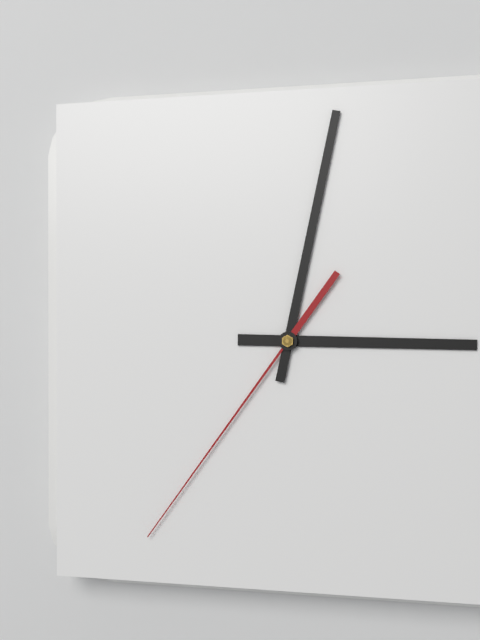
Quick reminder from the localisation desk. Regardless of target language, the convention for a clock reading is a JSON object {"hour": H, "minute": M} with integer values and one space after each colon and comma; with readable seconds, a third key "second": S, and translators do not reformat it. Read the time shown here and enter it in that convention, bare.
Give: {"hour": 3, "minute": 2, "second": 36}
